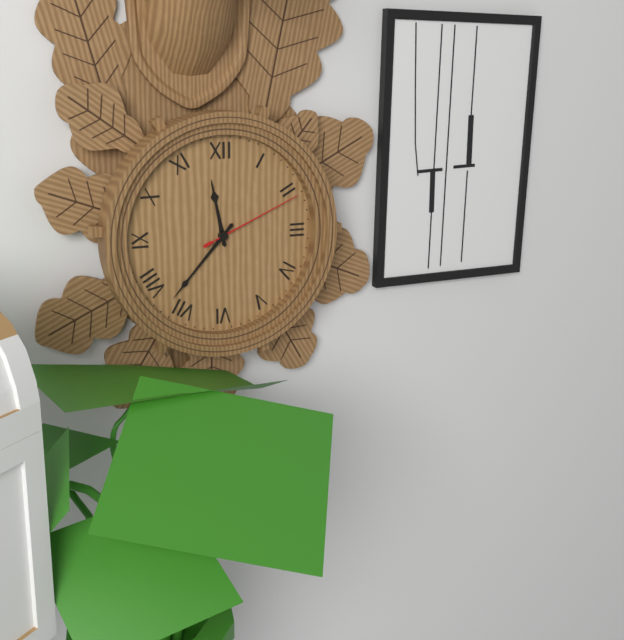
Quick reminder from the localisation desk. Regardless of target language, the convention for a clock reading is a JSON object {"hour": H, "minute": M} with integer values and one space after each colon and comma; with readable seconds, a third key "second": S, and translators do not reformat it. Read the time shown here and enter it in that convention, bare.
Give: {"hour": 11, "minute": 37, "second": 11}
